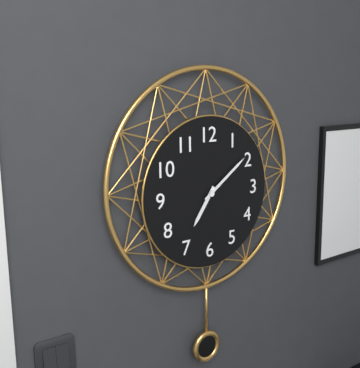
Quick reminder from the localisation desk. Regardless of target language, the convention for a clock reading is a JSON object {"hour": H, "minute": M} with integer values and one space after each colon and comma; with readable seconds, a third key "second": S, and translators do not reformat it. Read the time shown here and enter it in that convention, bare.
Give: {"hour": 7, "minute": 9}
